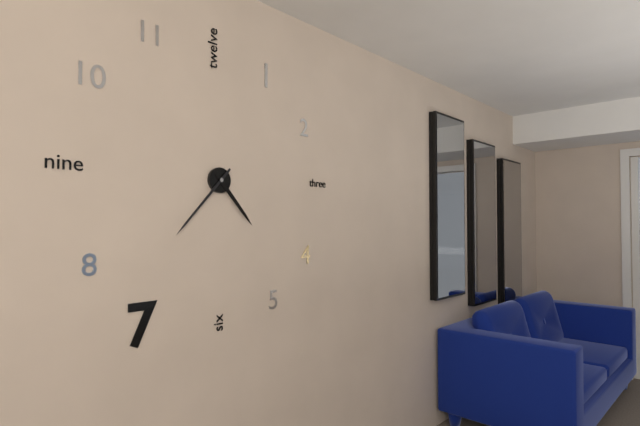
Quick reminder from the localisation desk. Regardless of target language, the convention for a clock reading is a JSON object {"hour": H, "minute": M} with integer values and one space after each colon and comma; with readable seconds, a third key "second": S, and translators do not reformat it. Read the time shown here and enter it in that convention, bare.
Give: {"hour": 4, "minute": 37}
